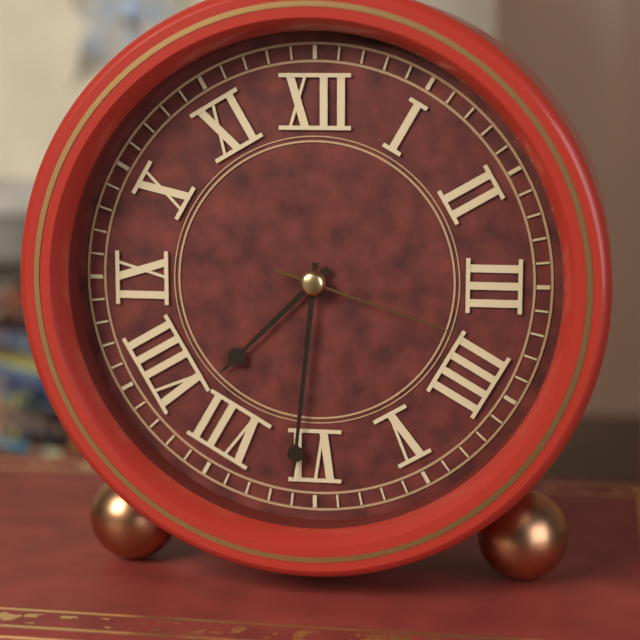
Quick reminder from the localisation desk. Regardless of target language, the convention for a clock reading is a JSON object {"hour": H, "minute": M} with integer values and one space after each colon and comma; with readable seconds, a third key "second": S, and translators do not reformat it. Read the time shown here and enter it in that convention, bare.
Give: {"hour": 7, "minute": 31, "second": 18}
